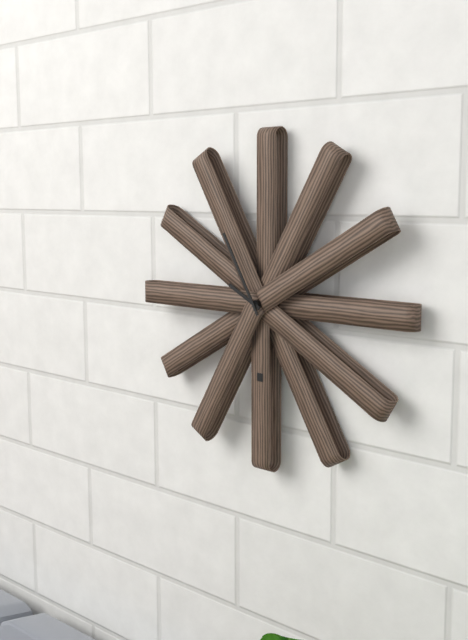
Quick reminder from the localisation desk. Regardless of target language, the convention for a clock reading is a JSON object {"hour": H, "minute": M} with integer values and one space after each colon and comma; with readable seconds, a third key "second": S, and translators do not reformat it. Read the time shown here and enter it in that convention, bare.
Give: {"hour": 9, "minute": 55}
